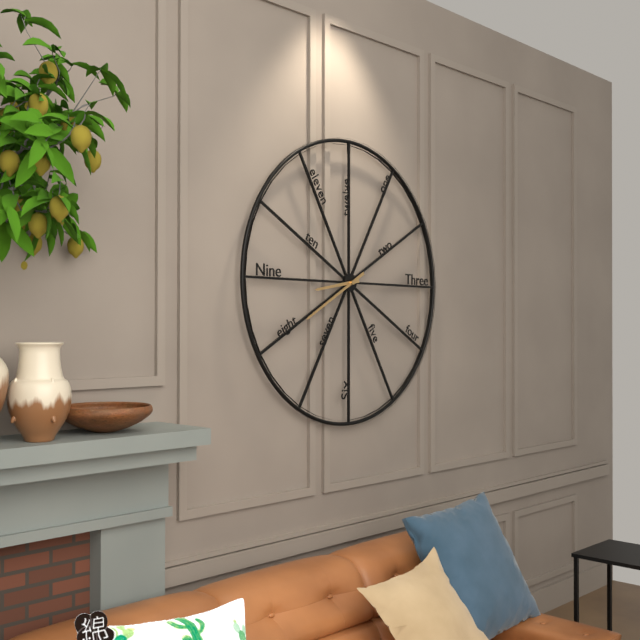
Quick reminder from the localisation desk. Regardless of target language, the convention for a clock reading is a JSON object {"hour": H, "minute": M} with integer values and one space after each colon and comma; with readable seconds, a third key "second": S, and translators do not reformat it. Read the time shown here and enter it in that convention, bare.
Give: {"hour": 8, "minute": 40}
